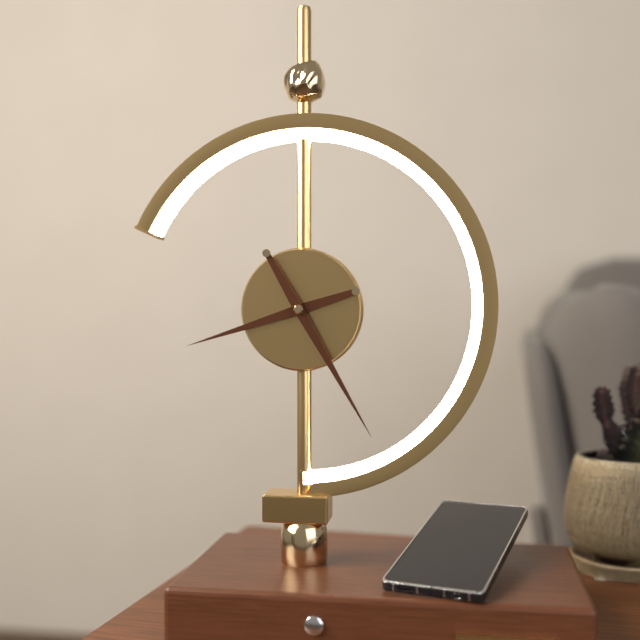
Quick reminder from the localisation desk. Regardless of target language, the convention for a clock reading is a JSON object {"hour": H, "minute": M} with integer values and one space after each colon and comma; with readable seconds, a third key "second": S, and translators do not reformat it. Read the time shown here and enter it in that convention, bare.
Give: {"hour": 8, "minute": 25}
